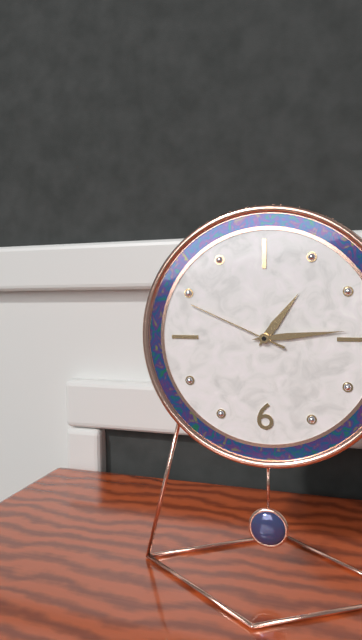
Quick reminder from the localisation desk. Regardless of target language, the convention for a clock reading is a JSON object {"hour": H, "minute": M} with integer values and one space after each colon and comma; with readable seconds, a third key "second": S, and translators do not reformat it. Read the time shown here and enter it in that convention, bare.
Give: {"hour": 1, "minute": 14, "second": 49}
